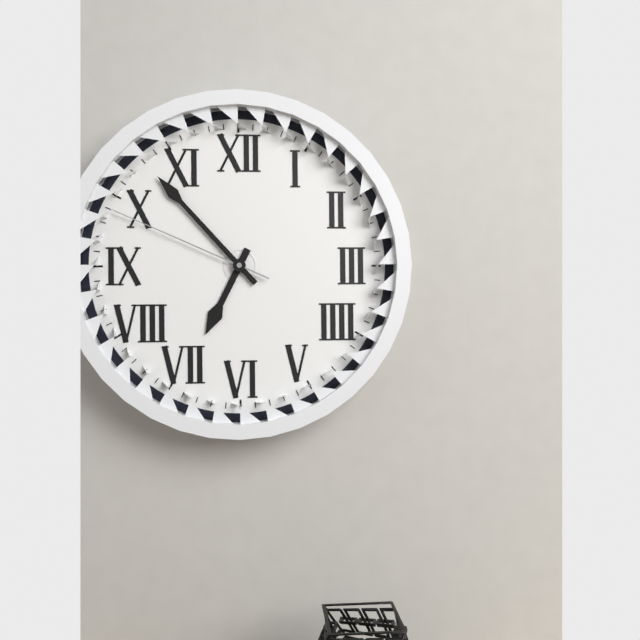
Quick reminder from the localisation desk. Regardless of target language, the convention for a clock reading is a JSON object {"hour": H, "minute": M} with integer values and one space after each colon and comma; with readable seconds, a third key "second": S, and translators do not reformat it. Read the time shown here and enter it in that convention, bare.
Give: {"hour": 6, "minute": 53, "second": 49}
